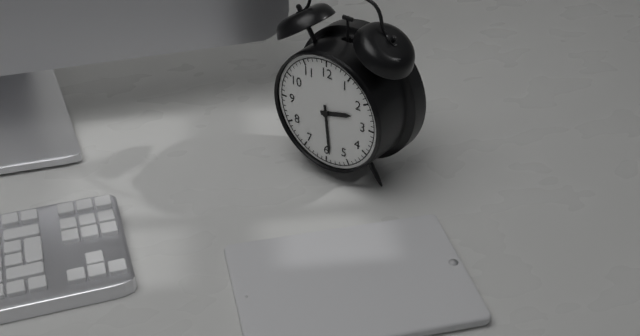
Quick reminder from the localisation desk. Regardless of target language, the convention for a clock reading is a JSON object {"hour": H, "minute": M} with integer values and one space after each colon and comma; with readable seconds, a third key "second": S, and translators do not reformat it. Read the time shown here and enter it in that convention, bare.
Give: {"hour": 2, "minute": 29}
